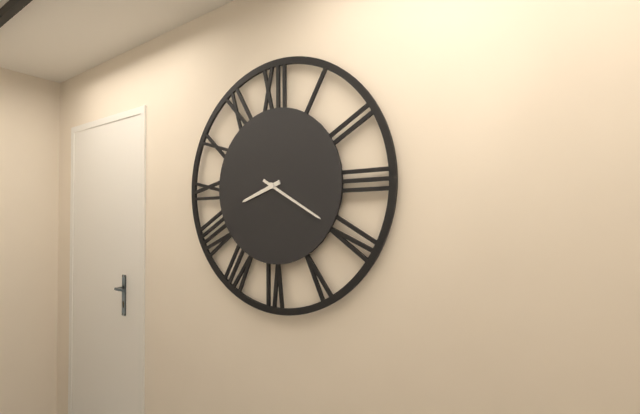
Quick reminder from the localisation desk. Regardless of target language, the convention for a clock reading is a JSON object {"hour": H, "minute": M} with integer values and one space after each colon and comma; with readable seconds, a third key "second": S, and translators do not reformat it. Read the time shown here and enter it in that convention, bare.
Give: {"hour": 8, "minute": 20}
